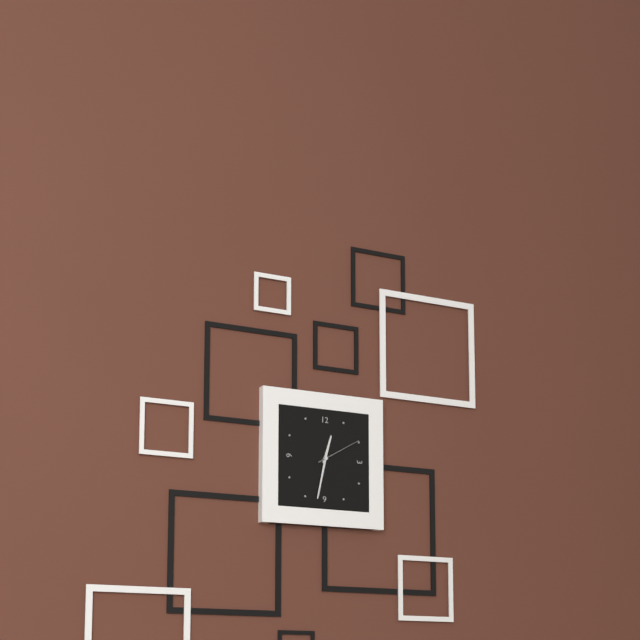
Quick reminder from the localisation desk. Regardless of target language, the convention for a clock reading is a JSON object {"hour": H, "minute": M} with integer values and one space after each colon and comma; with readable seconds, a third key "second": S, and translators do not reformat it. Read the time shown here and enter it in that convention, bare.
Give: {"hour": 12, "minute": 32}
